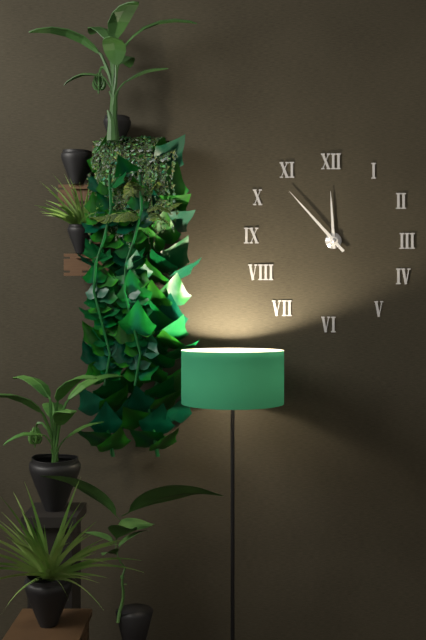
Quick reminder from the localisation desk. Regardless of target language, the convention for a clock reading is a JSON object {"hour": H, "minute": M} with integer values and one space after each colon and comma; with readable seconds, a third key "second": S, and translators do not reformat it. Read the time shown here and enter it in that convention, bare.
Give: {"hour": 11, "minute": 53}
